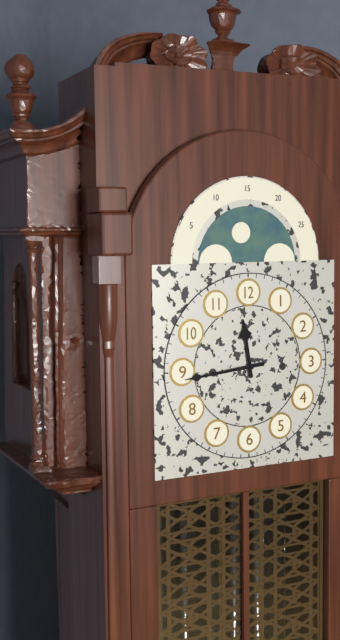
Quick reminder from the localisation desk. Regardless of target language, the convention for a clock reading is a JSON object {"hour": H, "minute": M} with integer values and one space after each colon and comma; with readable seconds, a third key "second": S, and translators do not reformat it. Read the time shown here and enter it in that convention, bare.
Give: {"hour": 11, "minute": 44}
